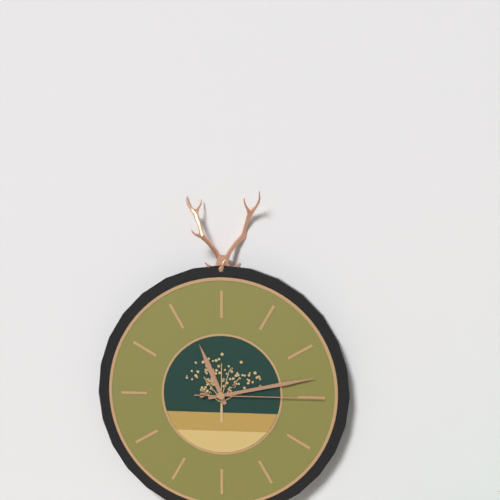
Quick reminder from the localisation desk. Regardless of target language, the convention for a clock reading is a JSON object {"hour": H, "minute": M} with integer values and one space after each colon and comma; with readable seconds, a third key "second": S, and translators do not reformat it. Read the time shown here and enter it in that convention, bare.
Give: {"hour": 11, "minute": 13, "second": 15}
